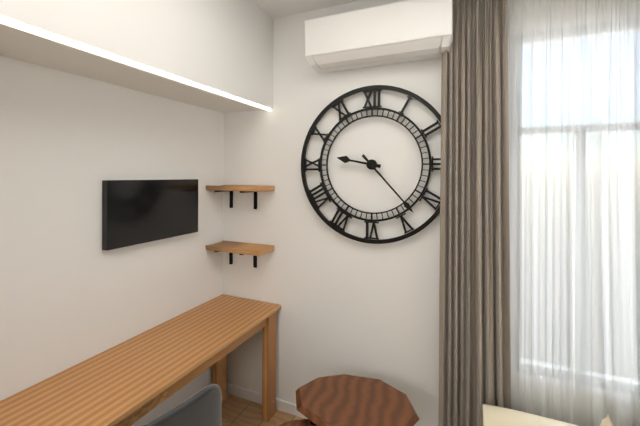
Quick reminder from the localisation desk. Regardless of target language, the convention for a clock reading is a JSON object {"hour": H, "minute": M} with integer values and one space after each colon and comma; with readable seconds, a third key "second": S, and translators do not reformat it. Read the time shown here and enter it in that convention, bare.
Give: {"hour": 9, "minute": 23}
